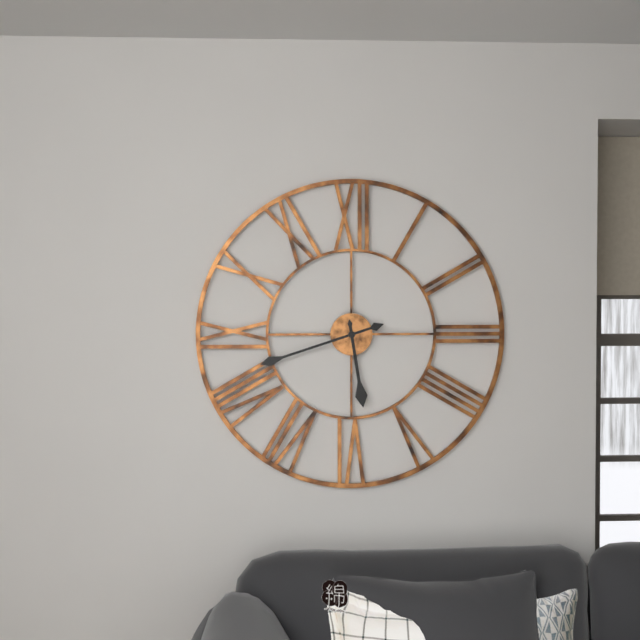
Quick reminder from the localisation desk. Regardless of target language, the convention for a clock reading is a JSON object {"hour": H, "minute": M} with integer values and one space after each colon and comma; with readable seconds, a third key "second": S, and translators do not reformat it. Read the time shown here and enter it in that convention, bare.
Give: {"hour": 5, "minute": 42}
